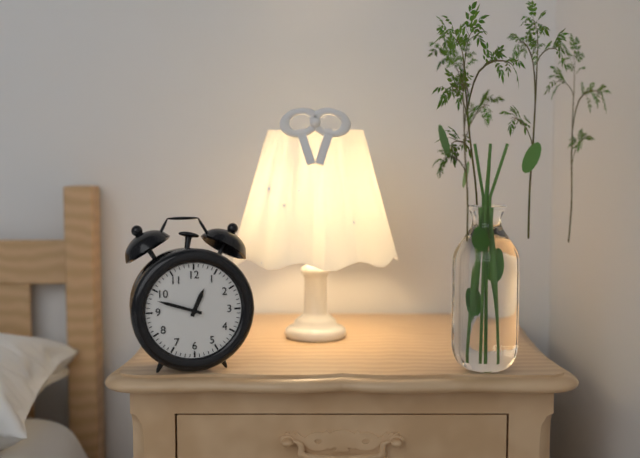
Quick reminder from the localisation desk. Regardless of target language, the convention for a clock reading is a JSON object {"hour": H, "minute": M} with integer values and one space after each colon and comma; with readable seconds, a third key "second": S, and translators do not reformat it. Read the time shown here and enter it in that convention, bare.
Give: {"hour": 12, "minute": 48}
